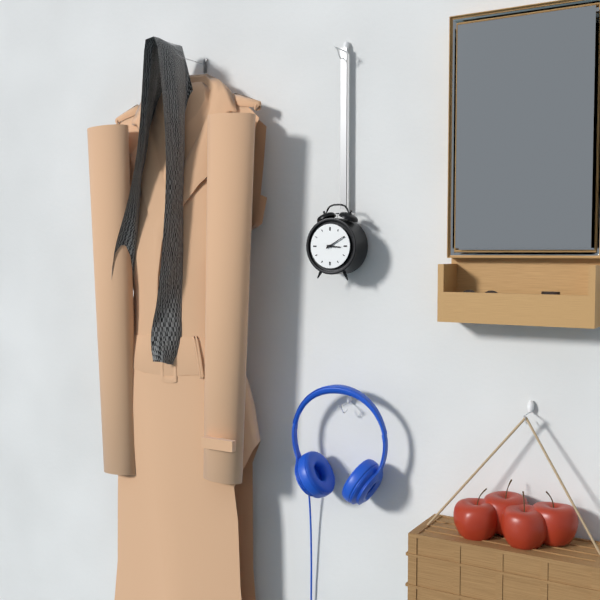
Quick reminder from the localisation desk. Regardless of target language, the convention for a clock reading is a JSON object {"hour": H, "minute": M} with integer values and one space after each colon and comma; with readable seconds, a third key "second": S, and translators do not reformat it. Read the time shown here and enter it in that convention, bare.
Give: {"hour": 3, "minute": 10}
